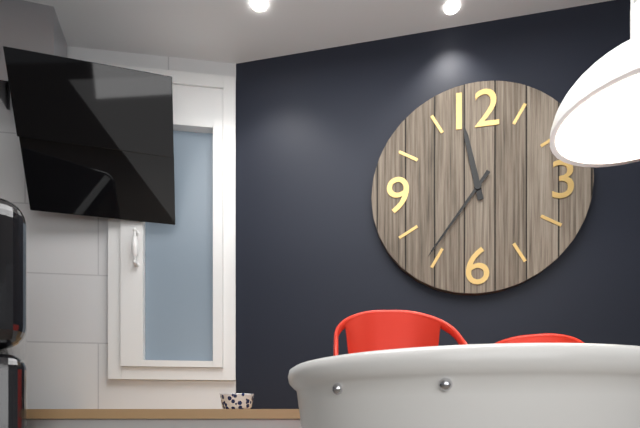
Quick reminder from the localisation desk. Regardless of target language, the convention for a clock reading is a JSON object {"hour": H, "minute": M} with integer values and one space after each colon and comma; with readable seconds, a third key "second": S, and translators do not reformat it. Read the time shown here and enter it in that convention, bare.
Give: {"hour": 11, "minute": 36}
